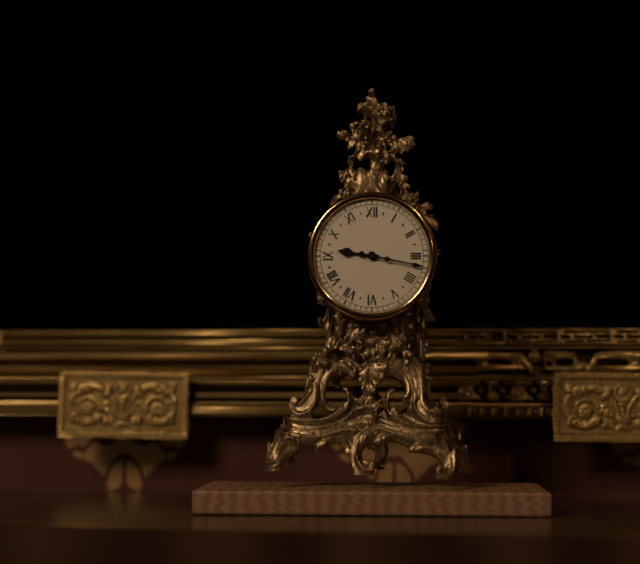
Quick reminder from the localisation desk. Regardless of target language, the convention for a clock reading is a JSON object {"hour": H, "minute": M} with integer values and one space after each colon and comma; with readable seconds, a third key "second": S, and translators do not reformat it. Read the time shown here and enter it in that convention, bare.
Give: {"hour": 9, "minute": 17}
